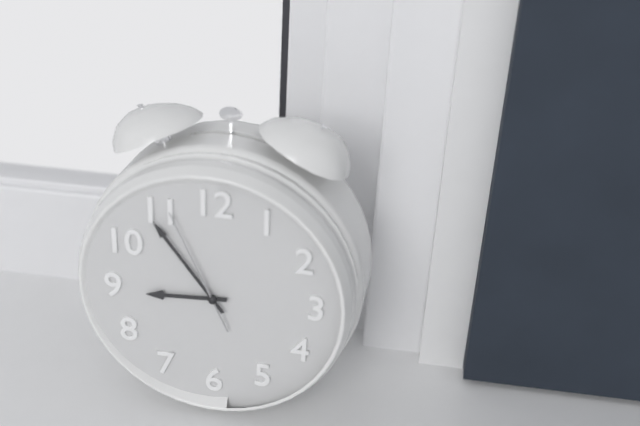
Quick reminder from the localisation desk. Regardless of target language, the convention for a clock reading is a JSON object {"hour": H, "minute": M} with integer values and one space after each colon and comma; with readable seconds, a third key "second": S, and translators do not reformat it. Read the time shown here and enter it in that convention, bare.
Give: {"hour": 8, "minute": 54, "second": 56}
